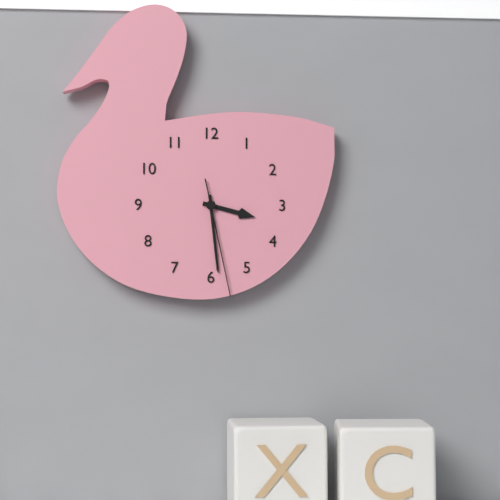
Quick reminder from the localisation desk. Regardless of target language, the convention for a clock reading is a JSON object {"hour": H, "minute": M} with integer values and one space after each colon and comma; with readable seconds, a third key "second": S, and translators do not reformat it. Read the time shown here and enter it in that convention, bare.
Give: {"hour": 3, "minute": 29, "second": 28}
